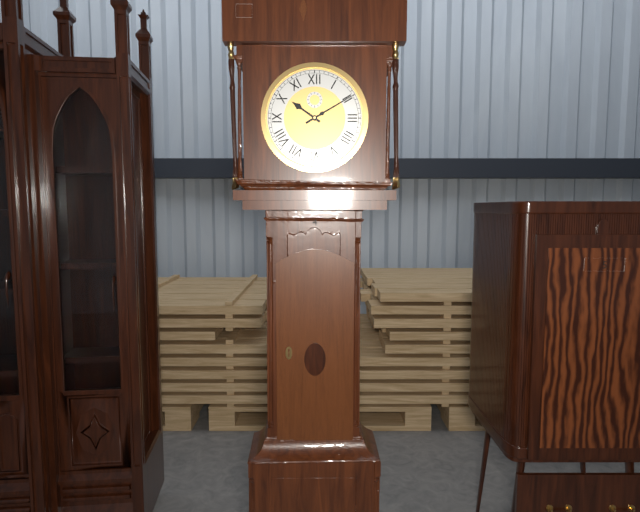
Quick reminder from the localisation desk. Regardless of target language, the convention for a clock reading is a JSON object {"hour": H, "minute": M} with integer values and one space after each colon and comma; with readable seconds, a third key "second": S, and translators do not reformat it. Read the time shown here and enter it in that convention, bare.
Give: {"hour": 10, "minute": 10}
